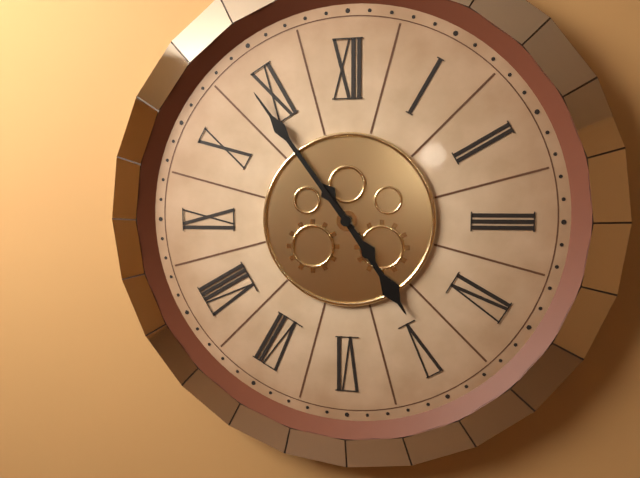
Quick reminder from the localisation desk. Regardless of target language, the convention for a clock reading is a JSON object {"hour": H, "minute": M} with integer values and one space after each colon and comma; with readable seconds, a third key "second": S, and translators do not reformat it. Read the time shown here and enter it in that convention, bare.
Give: {"hour": 4, "minute": 54}
